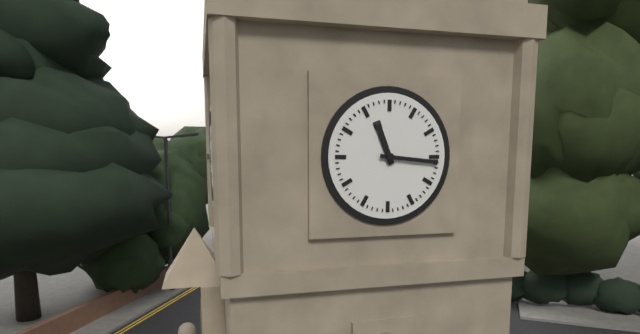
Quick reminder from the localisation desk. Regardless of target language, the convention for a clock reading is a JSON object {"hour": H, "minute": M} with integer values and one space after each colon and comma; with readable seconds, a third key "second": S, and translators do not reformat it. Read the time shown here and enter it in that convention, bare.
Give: {"hour": 11, "minute": 16}
